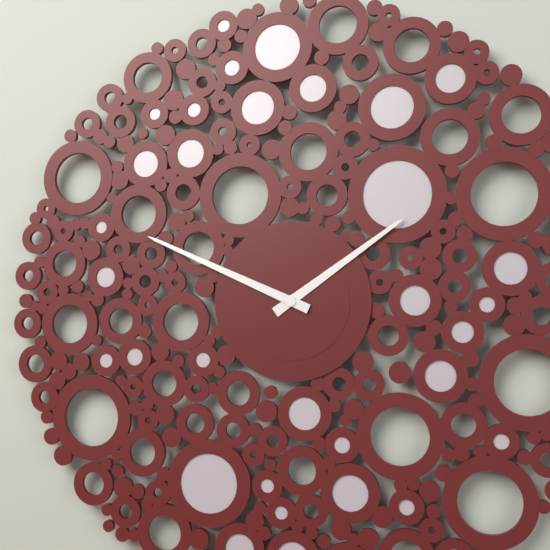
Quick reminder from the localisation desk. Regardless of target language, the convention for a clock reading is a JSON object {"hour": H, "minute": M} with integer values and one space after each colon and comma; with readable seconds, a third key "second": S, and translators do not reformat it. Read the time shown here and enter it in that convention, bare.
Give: {"hour": 1, "minute": 49}
